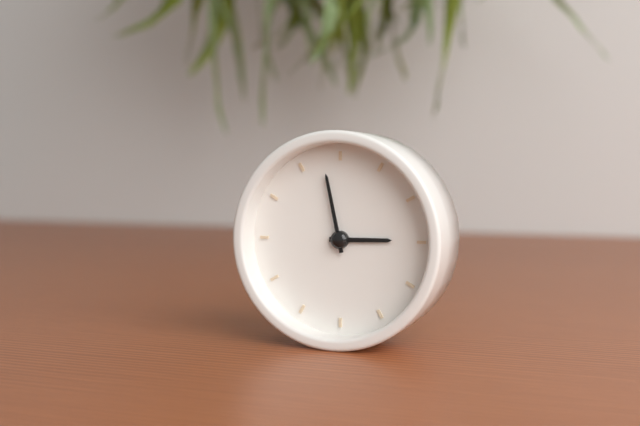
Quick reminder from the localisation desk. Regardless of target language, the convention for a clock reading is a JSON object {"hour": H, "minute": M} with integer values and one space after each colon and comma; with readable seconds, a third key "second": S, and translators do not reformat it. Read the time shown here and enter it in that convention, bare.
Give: {"hour": 2, "minute": 58}
